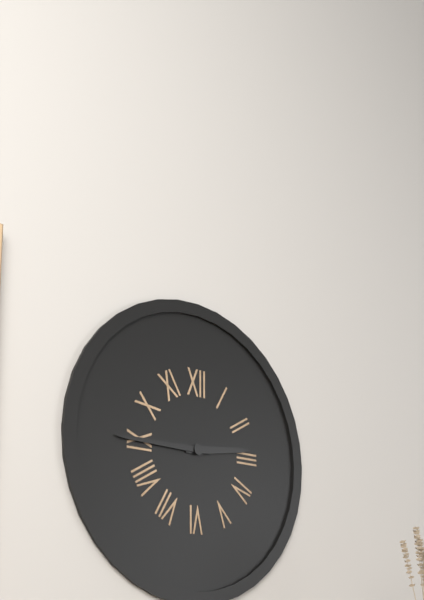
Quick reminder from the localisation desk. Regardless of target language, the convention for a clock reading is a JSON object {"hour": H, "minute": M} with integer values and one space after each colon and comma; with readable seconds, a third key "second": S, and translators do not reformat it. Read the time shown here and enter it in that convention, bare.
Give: {"hour": 2, "minute": 45}
